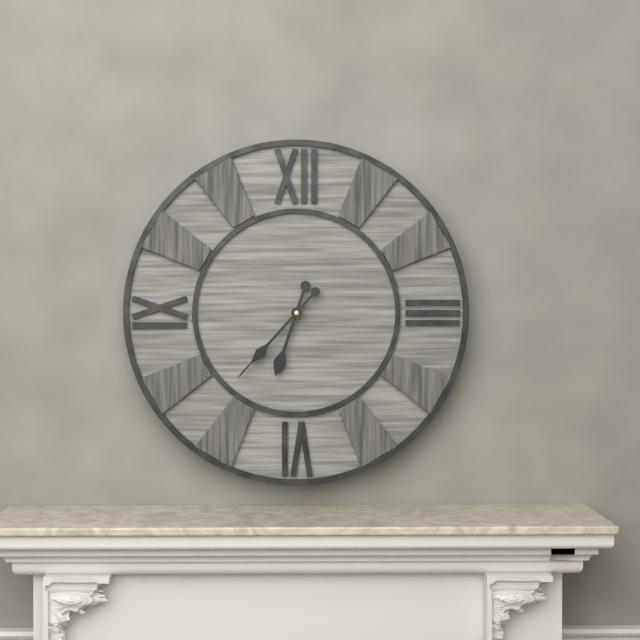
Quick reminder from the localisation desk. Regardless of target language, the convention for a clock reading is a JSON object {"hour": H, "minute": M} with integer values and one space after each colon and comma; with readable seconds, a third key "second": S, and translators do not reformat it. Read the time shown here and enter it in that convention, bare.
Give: {"hour": 6, "minute": 37}
